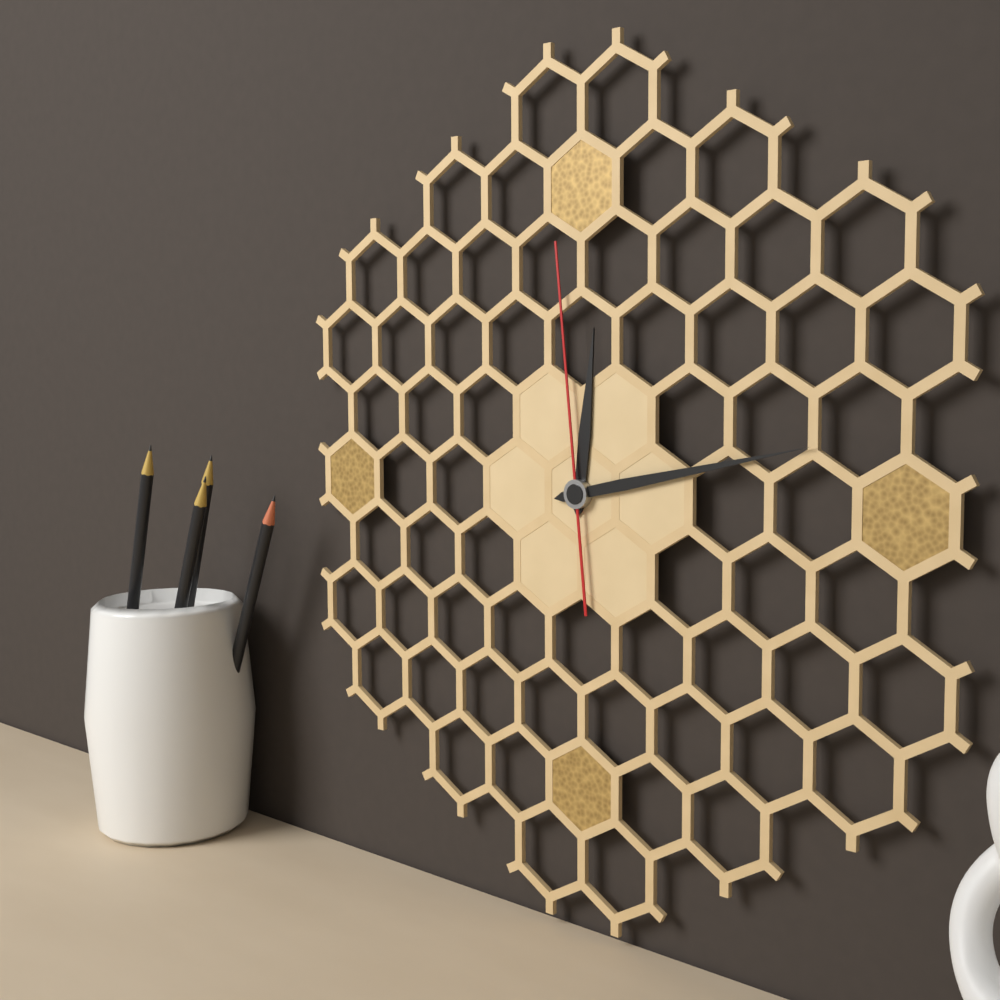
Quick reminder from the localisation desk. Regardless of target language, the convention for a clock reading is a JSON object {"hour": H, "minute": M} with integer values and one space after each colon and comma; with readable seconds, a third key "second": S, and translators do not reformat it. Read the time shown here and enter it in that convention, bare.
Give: {"hour": 12, "minute": 13, "second": 59}
